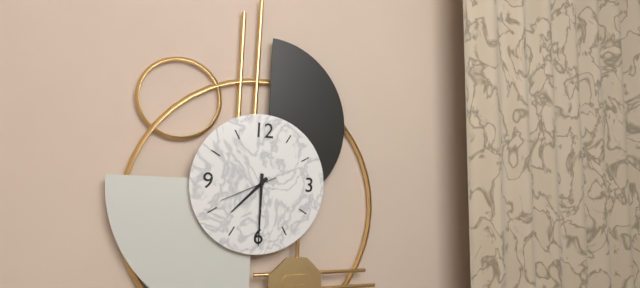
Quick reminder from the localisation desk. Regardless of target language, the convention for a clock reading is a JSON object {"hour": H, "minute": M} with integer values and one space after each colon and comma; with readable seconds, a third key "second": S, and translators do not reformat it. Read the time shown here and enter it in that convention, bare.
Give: {"hour": 7, "minute": 30, "second": 41}
